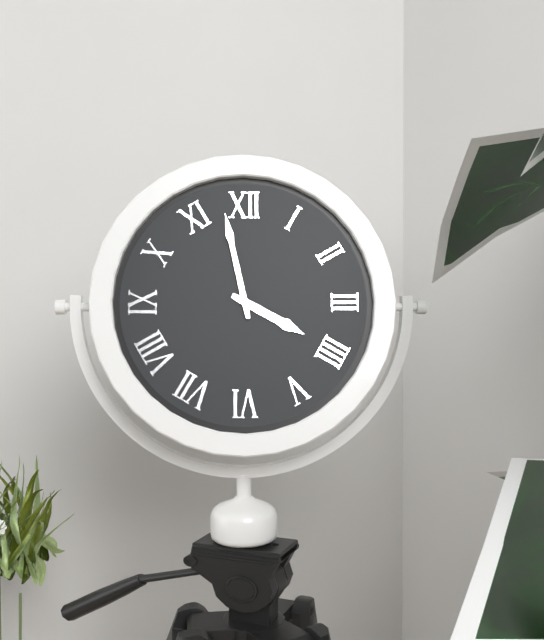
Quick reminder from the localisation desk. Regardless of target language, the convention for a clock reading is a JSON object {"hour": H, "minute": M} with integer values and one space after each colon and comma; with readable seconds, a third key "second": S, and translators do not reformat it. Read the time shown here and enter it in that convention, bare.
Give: {"hour": 3, "minute": 58}
